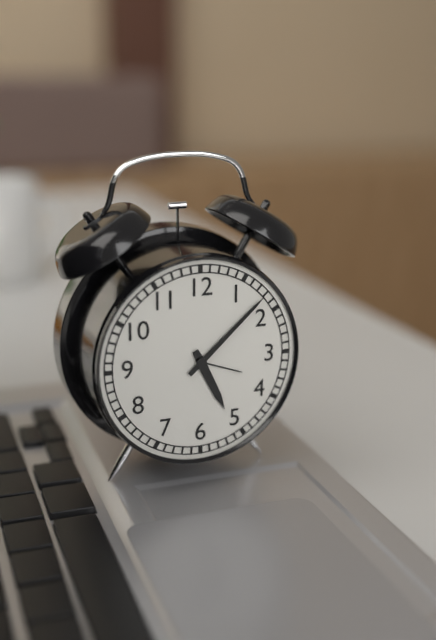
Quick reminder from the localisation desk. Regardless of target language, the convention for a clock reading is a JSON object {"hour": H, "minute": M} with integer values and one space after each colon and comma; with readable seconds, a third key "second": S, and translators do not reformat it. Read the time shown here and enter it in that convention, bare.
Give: {"hour": 5, "minute": 8}
